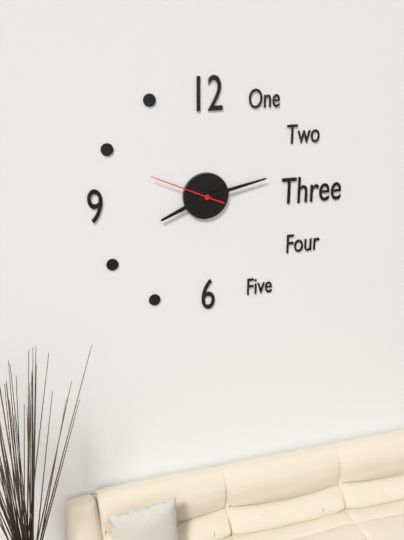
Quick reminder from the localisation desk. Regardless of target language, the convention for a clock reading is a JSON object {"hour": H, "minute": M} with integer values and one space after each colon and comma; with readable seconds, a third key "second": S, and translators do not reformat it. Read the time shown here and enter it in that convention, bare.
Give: {"hour": 8, "minute": 13, "second": 49}
